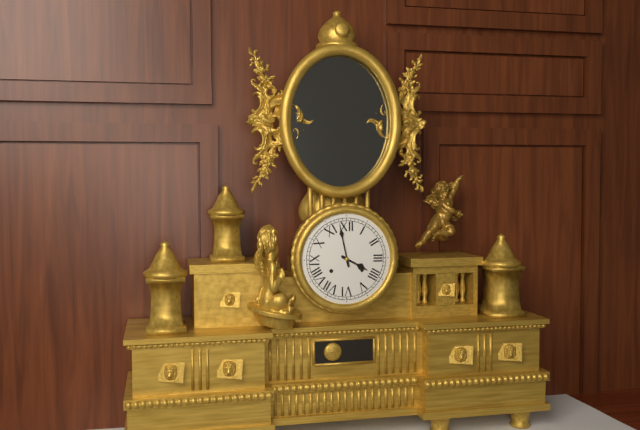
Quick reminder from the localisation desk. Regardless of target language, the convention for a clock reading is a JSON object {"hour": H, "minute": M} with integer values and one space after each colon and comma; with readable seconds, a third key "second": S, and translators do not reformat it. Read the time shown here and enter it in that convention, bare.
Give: {"hour": 3, "minute": 58}
